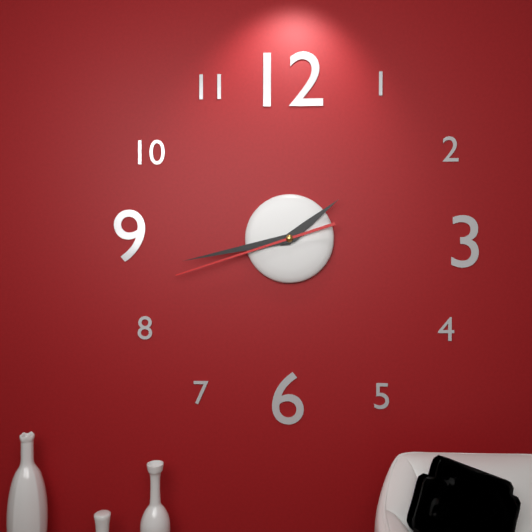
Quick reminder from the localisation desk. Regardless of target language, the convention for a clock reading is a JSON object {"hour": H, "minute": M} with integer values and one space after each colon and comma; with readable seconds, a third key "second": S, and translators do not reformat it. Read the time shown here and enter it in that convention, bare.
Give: {"hour": 1, "minute": 43, "second": 42}
